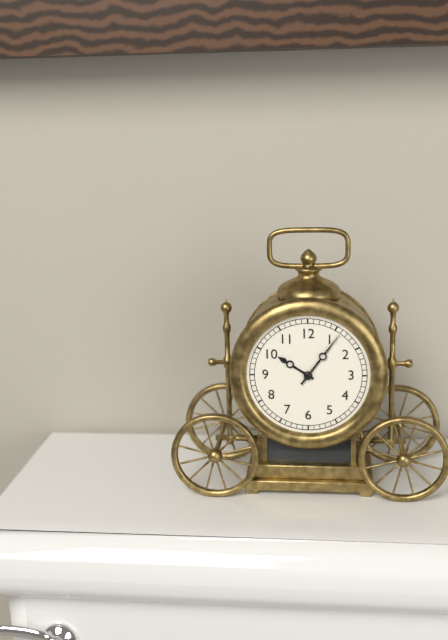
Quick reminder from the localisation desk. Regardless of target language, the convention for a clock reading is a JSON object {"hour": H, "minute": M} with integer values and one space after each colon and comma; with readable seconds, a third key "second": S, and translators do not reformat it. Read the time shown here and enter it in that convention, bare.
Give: {"hour": 10, "minute": 6}
